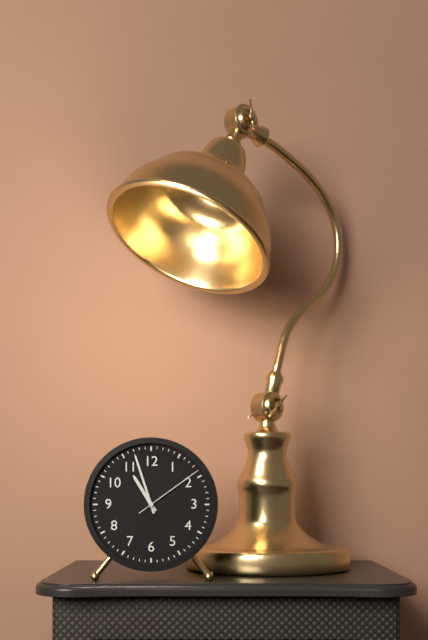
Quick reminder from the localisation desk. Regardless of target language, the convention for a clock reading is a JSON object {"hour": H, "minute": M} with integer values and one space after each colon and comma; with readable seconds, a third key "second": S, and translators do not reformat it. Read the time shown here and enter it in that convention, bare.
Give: {"hour": 10, "minute": 57, "second": 9}
